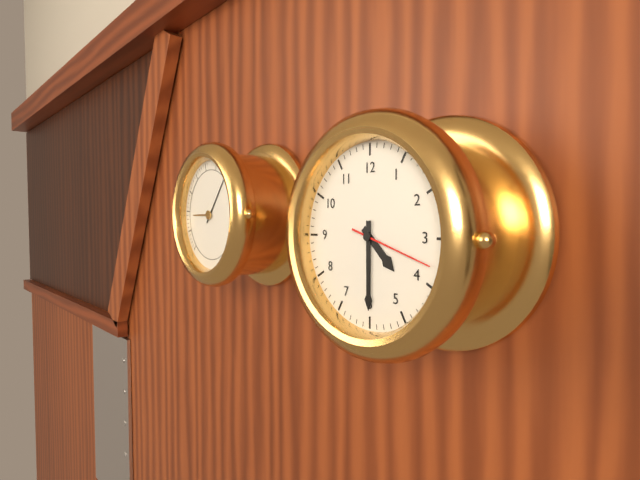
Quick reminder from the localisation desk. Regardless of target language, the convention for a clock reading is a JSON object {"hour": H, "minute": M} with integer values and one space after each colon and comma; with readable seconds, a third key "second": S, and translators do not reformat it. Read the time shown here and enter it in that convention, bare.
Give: {"hour": 4, "minute": 30, "second": 18}
